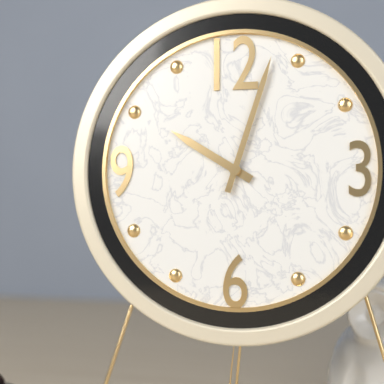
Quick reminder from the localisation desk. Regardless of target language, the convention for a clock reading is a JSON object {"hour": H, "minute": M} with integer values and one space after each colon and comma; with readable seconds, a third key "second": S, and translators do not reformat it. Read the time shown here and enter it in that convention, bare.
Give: {"hour": 10, "minute": 3}
